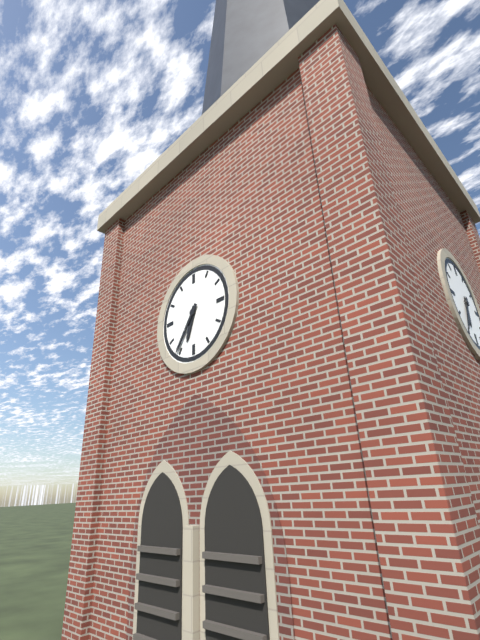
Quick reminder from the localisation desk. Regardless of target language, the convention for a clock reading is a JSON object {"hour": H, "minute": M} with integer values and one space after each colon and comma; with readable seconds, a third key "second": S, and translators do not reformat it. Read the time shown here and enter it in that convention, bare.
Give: {"hour": 6, "minute": 36}
